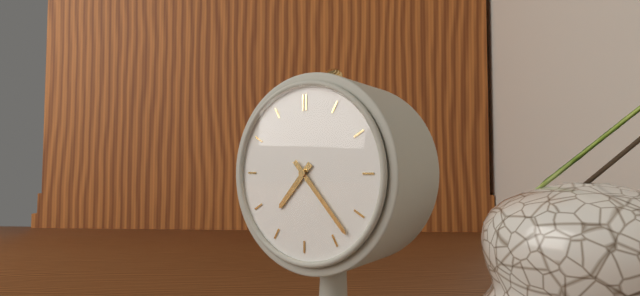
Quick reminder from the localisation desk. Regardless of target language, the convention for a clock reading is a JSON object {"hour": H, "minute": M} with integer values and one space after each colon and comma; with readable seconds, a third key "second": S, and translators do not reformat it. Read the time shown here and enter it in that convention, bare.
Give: {"hour": 7, "minute": 23}
